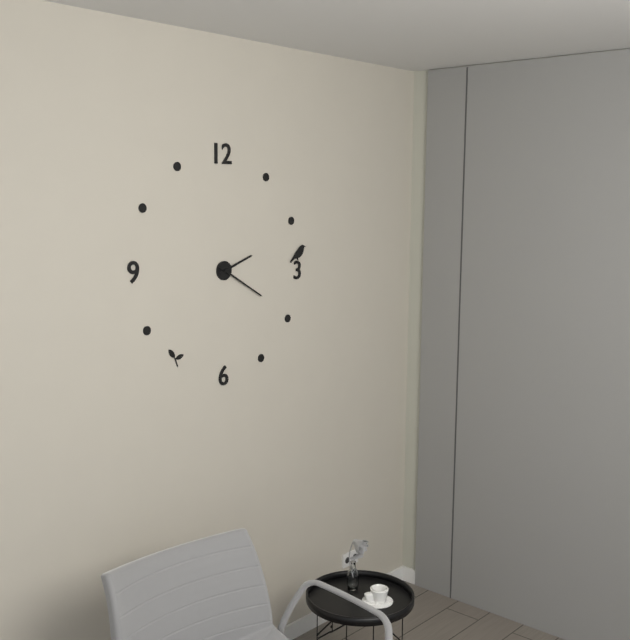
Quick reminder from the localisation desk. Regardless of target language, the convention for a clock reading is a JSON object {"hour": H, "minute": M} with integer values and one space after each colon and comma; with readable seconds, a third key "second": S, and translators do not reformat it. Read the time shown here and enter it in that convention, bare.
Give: {"hour": 2, "minute": 20}
